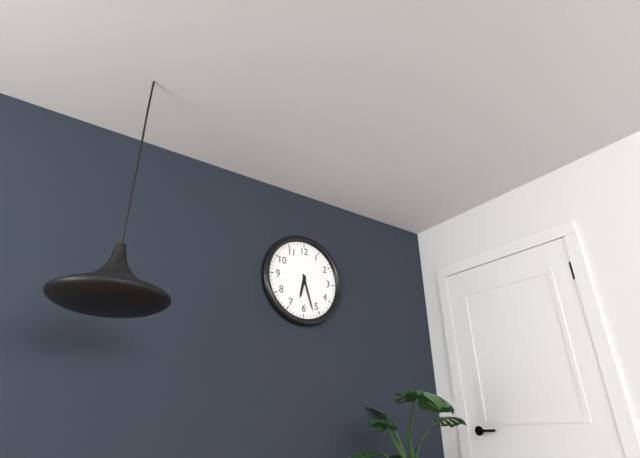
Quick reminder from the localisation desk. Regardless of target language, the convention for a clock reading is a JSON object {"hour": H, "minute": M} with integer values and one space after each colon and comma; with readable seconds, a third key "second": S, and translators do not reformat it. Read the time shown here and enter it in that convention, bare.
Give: {"hour": 6, "minute": 27}
